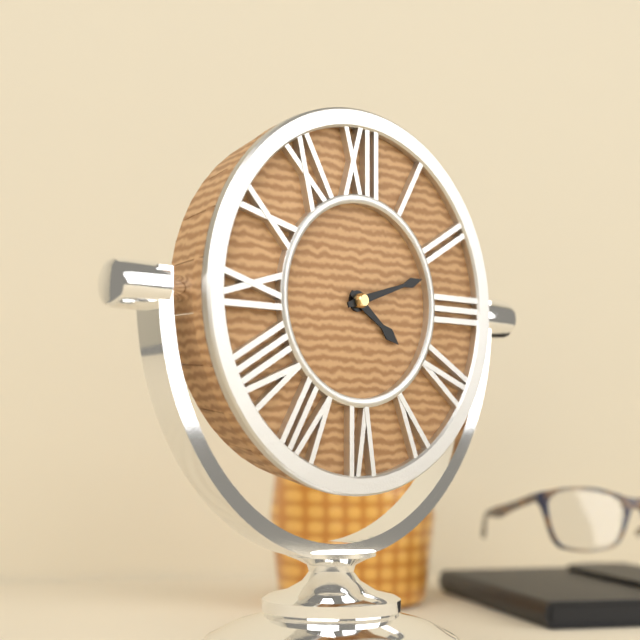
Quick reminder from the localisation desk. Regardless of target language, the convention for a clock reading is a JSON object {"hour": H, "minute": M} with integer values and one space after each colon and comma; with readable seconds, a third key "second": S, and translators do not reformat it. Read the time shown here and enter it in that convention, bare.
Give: {"hour": 4, "minute": 12}
